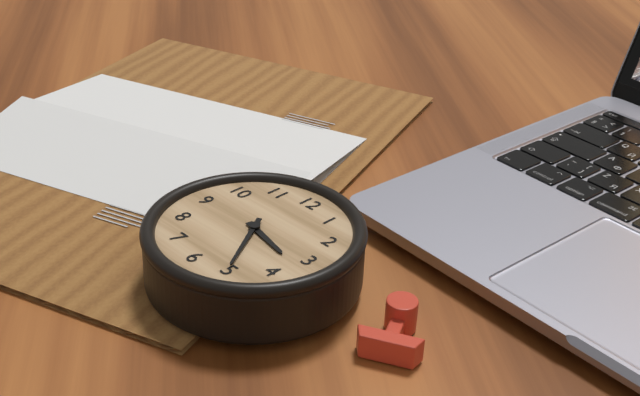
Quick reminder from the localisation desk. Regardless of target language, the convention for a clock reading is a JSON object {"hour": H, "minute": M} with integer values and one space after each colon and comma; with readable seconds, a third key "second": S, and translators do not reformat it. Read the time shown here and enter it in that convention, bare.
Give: {"hour": 3, "minute": 25}
